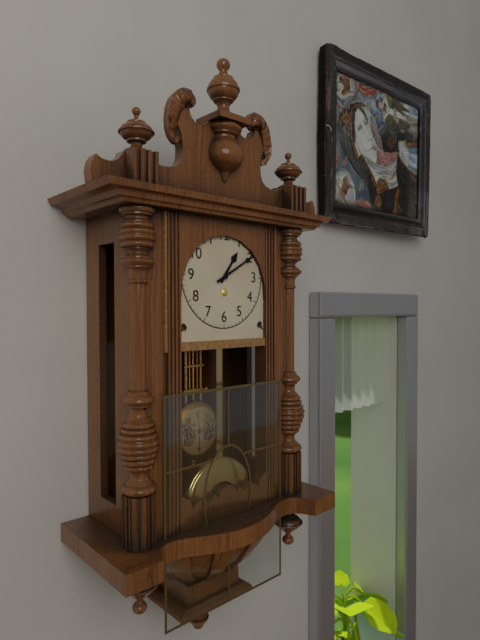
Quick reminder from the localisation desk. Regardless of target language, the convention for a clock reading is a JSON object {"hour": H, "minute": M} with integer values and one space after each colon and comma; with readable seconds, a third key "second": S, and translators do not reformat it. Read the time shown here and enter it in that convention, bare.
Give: {"hour": 1, "minute": 10}
